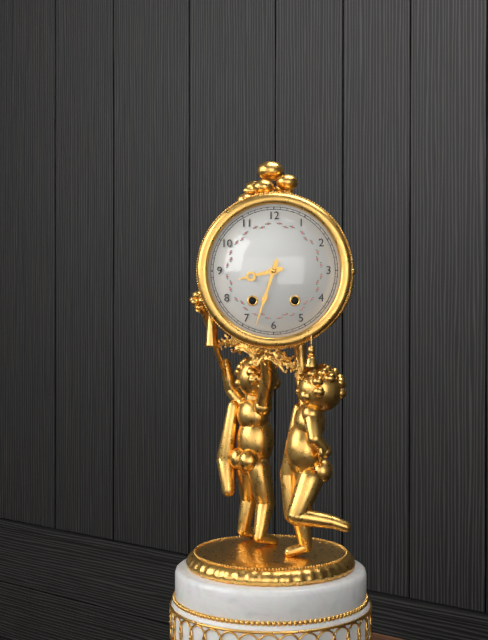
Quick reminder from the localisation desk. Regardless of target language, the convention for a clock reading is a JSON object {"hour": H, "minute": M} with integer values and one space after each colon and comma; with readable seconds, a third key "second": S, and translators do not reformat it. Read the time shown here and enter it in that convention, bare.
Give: {"hour": 8, "minute": 33}
